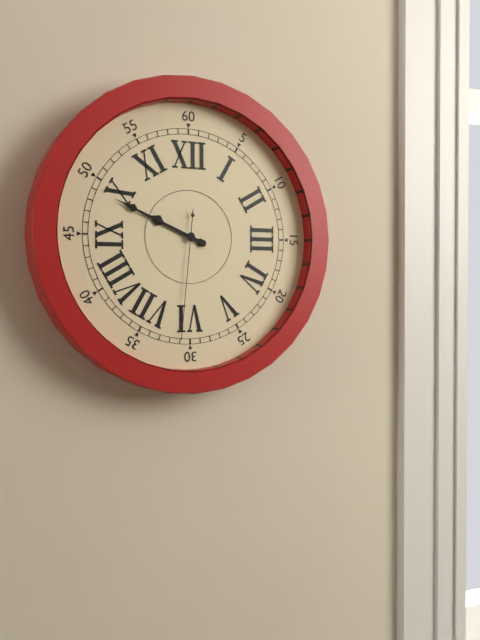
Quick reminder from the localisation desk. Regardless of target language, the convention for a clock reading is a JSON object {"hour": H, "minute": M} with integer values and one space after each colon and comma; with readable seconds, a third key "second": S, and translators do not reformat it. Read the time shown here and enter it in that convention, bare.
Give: {"hour": 9, "minute": 49, "second": 31}
